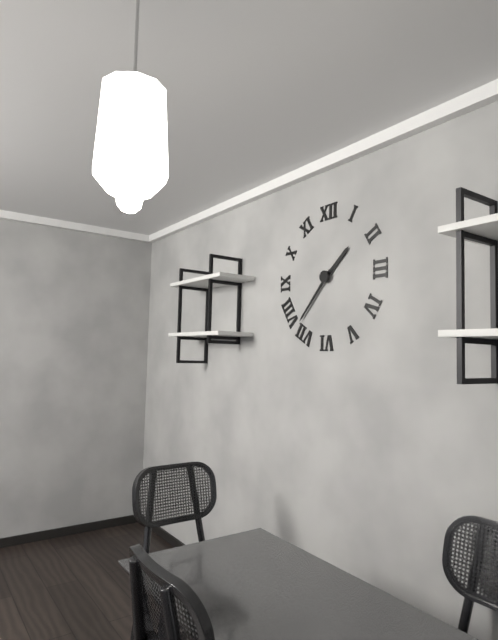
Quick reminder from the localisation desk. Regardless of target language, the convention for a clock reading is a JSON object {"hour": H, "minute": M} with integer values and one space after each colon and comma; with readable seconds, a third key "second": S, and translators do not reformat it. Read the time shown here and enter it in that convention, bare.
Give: {"hour": 1, "minute": 37}
